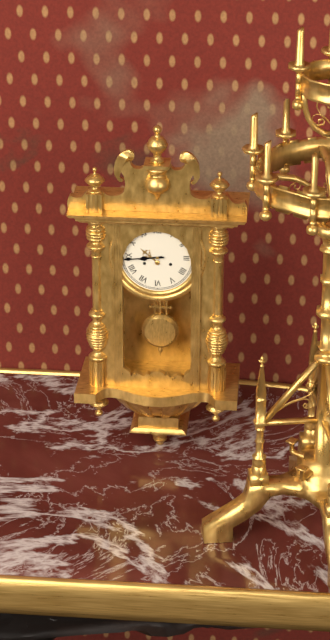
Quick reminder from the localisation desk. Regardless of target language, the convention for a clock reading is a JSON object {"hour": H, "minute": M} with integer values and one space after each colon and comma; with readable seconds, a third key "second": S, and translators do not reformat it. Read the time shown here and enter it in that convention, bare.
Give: {"hour": 8, "minute": 44}
